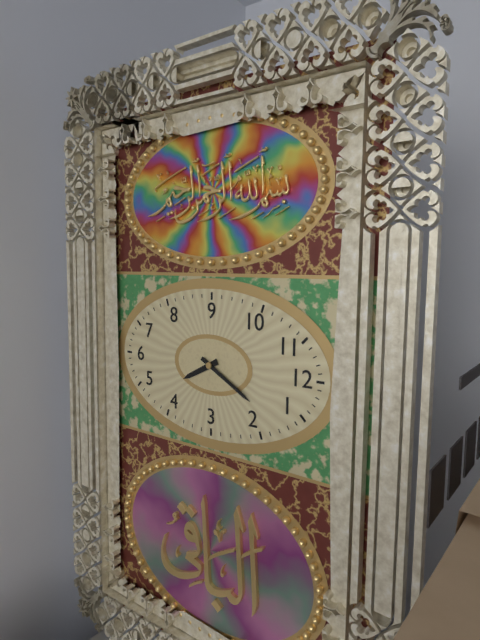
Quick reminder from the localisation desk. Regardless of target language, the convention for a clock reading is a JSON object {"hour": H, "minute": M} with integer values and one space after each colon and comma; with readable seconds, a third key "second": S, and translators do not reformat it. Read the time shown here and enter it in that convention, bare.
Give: {"hour": 5, "minute": 5}
